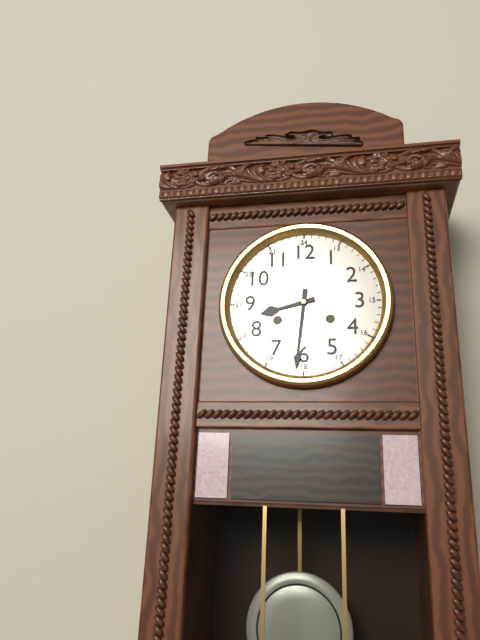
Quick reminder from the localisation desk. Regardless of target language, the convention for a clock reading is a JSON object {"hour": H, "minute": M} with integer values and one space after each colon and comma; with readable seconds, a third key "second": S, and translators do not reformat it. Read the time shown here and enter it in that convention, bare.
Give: {"hour": 8, "minute": 31}
